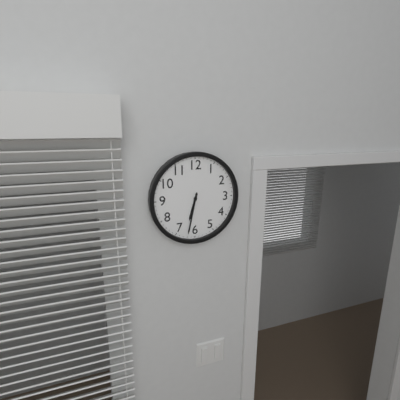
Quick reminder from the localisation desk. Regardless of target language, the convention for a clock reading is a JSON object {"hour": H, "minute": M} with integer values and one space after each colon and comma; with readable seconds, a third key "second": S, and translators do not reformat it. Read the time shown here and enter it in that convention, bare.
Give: {"hour": 6, "minute": 32}
